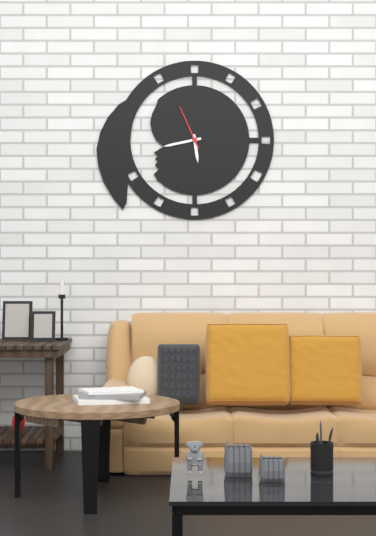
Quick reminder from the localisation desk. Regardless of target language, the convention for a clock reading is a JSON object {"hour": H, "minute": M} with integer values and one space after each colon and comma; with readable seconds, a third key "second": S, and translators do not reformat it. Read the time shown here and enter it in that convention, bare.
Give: {"hour": 5, "minute": 43}
